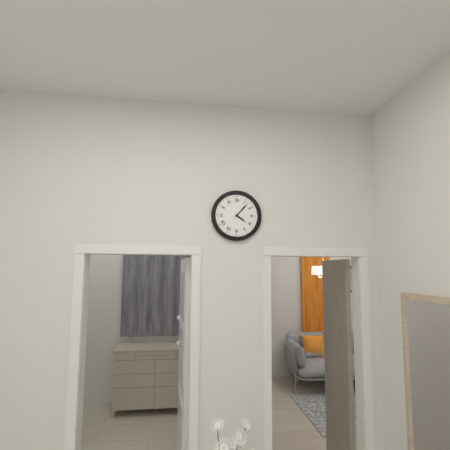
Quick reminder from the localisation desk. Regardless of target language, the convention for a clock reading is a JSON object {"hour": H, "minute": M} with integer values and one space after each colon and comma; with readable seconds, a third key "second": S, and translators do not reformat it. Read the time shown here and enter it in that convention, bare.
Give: {"hour": 4, "minute": 7}
